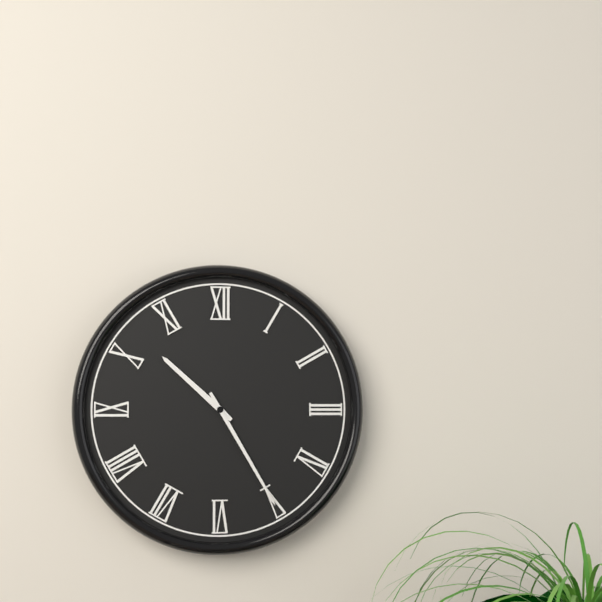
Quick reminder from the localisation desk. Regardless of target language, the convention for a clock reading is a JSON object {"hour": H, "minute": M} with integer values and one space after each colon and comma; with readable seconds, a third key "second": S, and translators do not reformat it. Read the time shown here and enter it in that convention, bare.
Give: {"hour": 10, "minute": 25}
